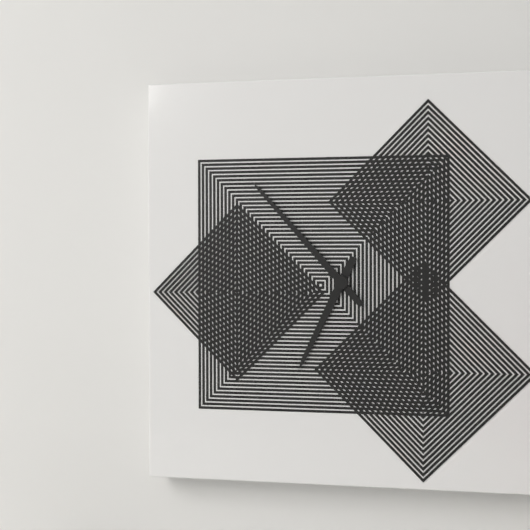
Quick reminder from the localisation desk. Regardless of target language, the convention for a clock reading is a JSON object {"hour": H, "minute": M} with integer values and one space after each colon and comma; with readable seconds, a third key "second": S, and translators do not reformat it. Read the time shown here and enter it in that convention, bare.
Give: {"hour": 6, "minute": 53}
